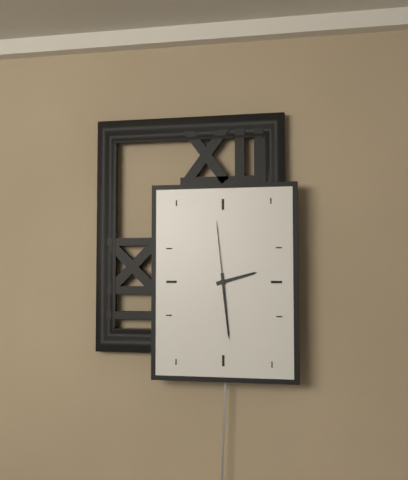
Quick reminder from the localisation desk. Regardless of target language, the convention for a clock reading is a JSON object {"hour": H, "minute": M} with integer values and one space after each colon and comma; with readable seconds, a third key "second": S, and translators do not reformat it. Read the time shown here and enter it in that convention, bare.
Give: {"hour": 2, "minute": 29, "second": 59}
